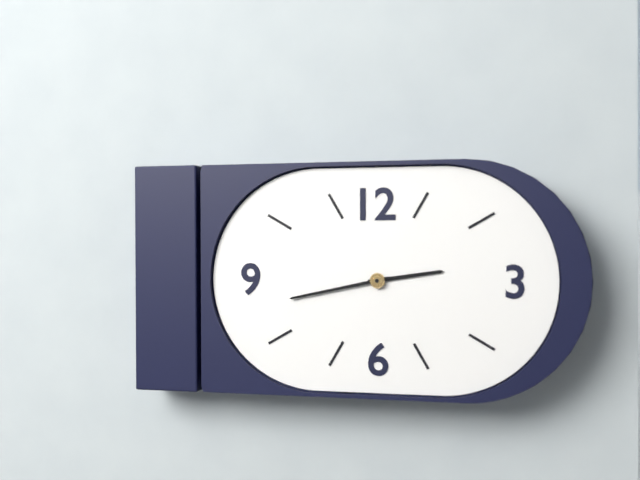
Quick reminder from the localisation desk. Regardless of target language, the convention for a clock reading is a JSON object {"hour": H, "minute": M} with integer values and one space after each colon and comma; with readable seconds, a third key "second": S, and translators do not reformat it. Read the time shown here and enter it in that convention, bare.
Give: {"hour": 2, "minute": 43}
